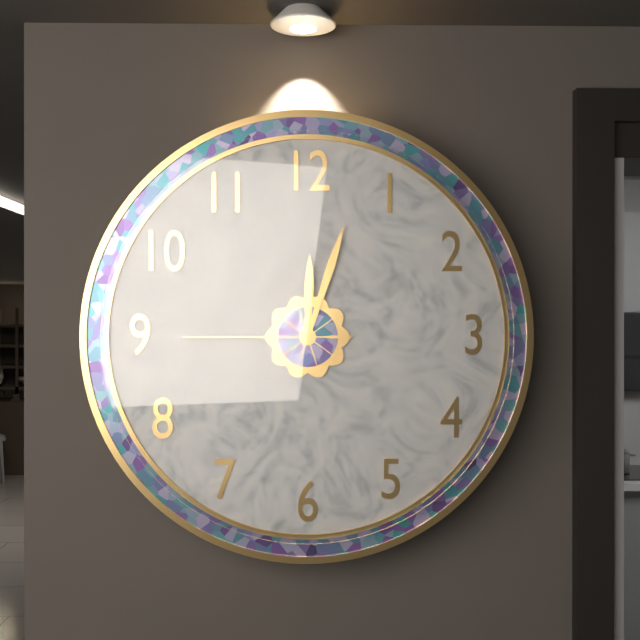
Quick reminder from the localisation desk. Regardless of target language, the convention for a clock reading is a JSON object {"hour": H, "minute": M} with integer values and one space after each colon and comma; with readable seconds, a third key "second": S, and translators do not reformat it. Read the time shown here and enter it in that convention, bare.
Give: {"hour": 12, "minute": 3, "second": 45}
